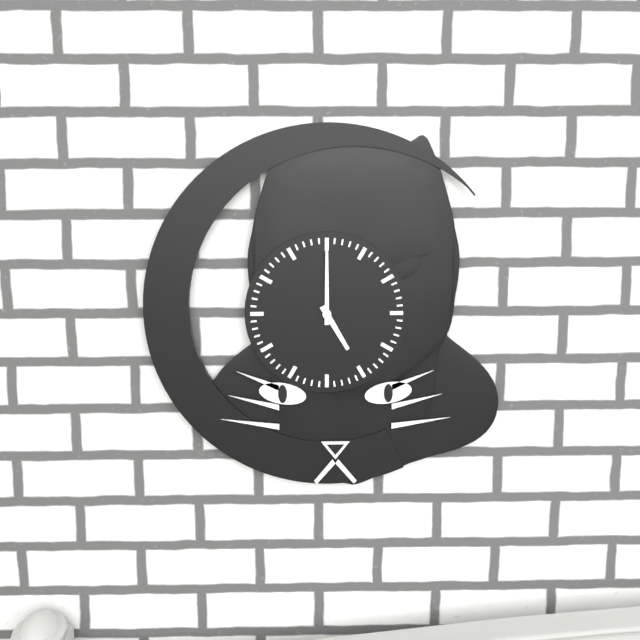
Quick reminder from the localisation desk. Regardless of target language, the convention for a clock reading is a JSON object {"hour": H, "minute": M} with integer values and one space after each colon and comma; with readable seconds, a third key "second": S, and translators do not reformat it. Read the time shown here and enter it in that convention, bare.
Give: {"hour": 5, "minute": 0}
